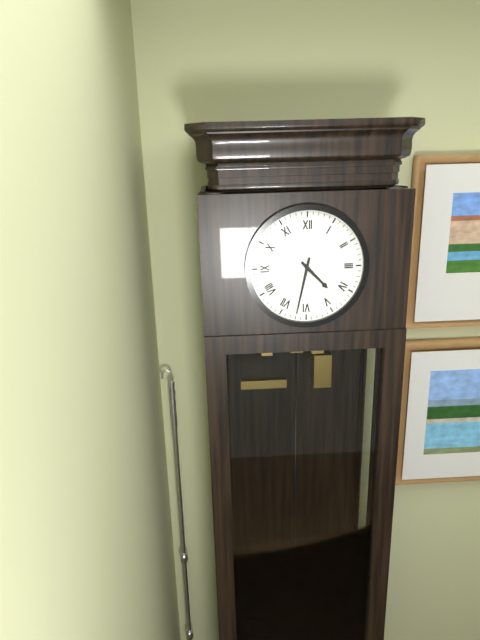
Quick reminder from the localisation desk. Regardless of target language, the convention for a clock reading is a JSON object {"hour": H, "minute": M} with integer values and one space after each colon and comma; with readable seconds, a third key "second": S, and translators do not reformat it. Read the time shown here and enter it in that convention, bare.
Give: {"hour": 4, "minute": 32}
